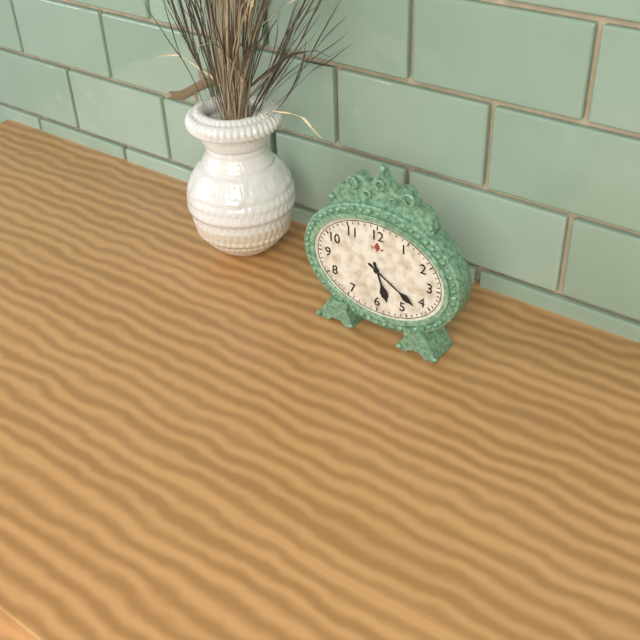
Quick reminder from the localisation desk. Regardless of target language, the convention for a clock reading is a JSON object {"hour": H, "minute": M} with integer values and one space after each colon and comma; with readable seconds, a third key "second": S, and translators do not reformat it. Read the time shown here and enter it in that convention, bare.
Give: {"hour": 5, "minute": 20}
